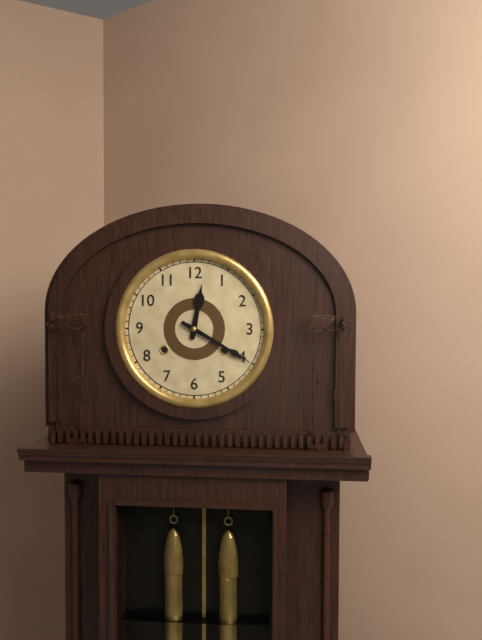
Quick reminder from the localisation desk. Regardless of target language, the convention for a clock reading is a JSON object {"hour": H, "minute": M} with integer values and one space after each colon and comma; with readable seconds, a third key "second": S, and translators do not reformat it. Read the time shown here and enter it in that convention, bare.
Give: {"hour": 12, "minute": 20}
